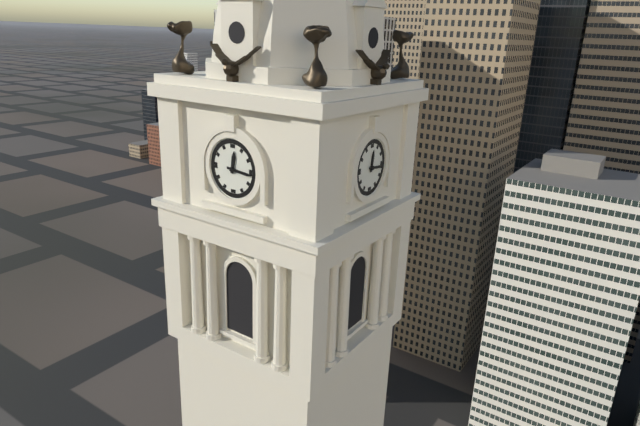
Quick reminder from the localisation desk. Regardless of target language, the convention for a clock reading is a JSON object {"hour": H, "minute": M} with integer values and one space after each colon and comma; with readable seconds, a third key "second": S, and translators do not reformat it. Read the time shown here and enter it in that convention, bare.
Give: {"hour": 12, "minute": 16}
